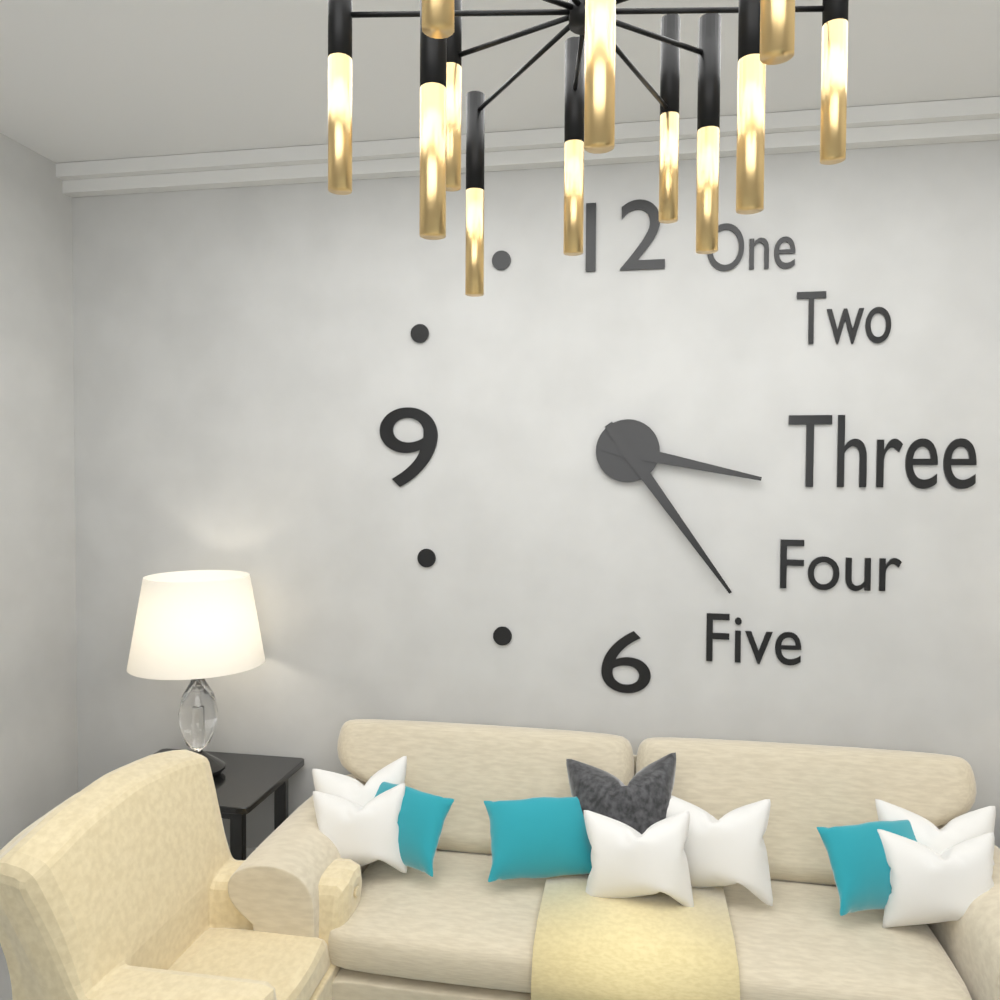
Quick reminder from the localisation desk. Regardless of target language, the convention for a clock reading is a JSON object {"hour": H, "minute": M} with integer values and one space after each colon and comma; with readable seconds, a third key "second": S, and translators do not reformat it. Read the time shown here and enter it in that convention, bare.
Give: {"hour": 3, "minute": 24}
